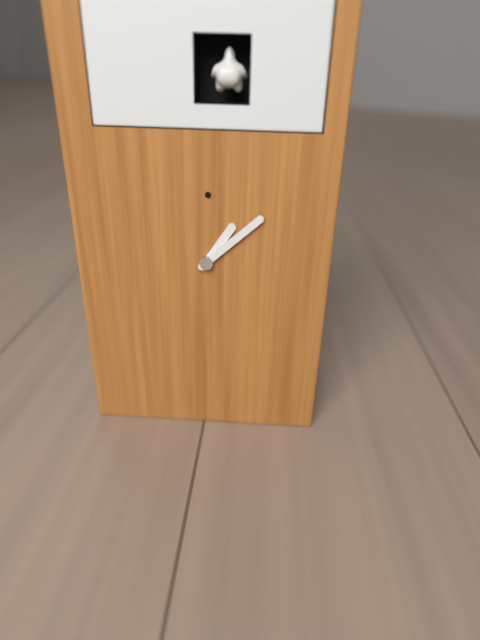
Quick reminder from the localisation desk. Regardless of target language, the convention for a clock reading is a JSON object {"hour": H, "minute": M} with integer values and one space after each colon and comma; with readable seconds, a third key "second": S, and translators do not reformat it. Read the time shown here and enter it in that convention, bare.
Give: {"hour": 1, "minute": 8}
